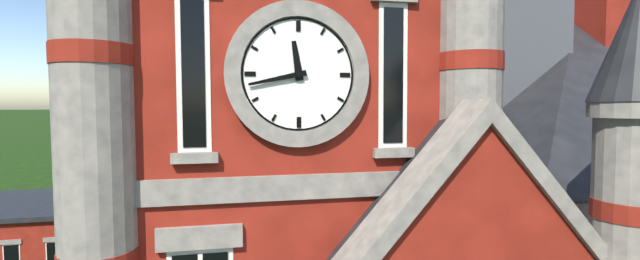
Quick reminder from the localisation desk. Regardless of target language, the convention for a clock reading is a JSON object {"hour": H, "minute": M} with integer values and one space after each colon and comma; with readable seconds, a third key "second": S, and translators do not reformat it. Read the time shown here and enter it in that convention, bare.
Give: {"hour": 11, "minute": 43}
